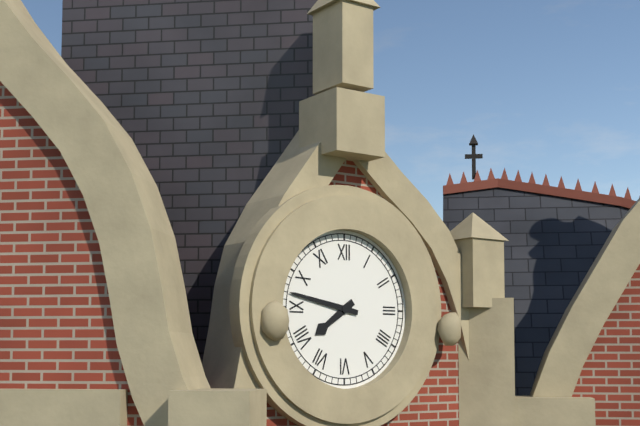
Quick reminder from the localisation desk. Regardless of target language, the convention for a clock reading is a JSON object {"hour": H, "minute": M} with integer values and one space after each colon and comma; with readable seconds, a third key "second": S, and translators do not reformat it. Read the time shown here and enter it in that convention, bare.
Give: {"hour": 7, "minute": 47}
